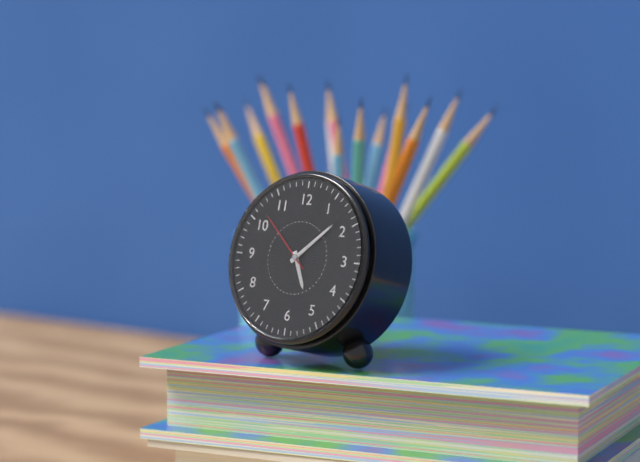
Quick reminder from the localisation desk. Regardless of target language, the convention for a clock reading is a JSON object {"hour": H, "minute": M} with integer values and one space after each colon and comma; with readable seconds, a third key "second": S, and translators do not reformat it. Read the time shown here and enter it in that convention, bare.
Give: {"hour": 5, "minute": 8, "second": 52}
